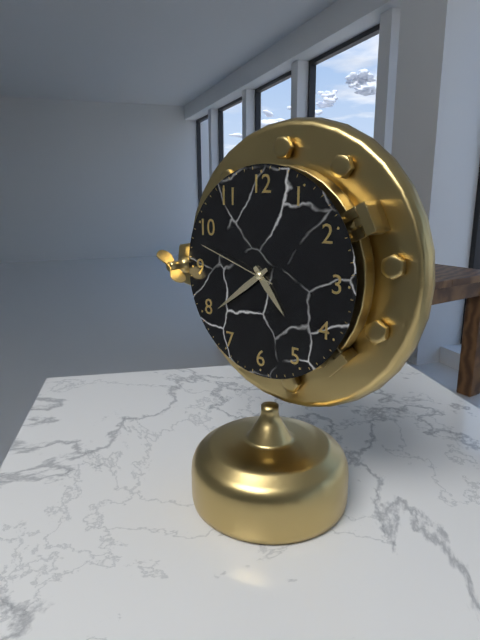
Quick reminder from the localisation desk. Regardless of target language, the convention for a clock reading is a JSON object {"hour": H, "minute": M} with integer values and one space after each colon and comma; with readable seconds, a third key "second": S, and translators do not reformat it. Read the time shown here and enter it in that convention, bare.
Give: {"hour": 4, "minute": 39, "second": 48}
